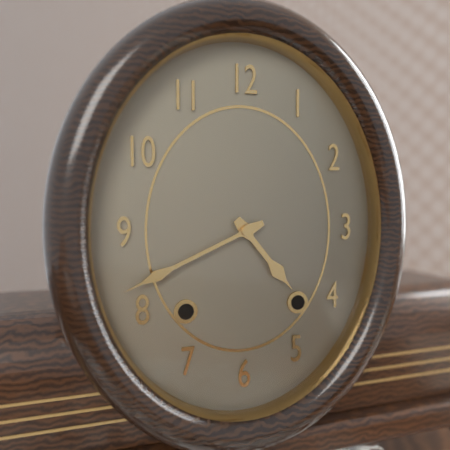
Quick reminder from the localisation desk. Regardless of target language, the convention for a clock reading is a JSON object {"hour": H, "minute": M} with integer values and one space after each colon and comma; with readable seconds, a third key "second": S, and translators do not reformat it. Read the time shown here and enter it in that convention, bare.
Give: {"hour": 4, "minute": 41}
